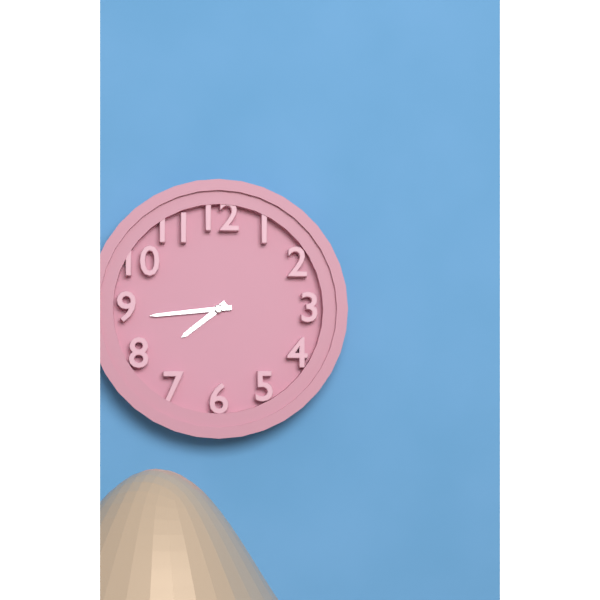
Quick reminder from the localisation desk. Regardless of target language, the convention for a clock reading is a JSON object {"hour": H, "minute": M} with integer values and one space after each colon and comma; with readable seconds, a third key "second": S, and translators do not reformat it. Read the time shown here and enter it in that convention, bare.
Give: {"hour": 7, "minute": 44}
